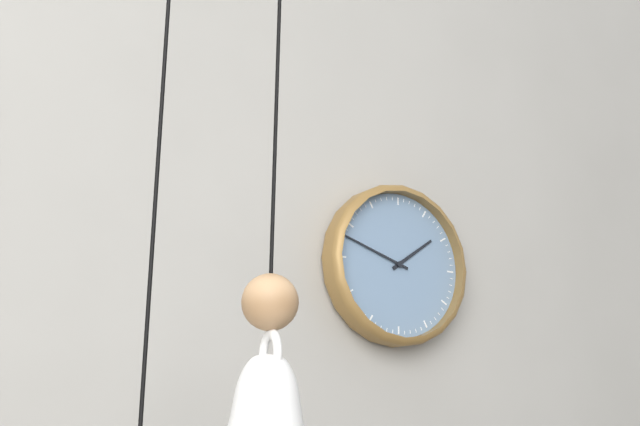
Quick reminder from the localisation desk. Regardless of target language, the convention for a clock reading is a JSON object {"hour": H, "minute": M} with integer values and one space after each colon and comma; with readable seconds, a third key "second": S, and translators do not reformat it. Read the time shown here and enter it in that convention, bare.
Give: {"hour": 1, "minute": 48}
